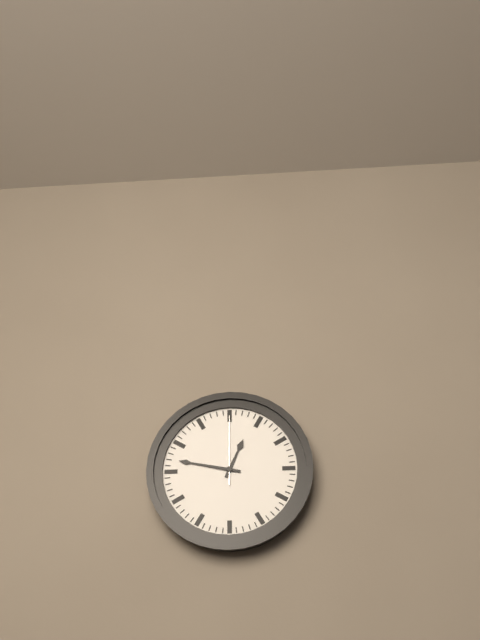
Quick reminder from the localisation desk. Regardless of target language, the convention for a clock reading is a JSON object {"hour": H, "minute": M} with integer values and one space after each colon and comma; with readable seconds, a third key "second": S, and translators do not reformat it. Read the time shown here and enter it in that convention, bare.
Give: {"hour": 12, "minute": 47, "second": 0}
